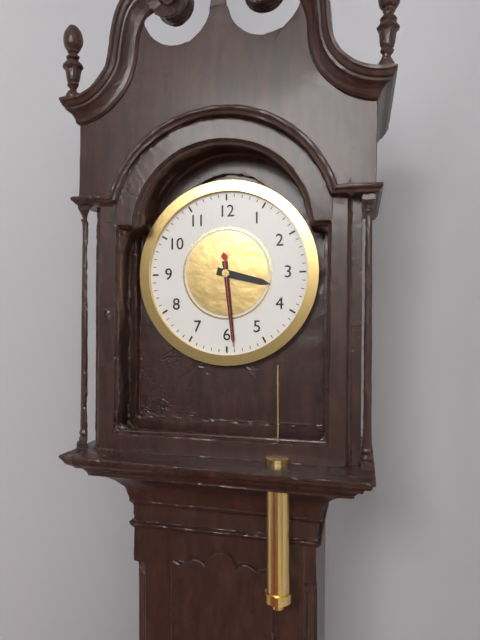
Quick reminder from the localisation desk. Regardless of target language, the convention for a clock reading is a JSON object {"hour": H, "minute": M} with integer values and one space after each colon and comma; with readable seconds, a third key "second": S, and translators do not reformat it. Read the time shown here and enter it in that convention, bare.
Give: {"hour": 3, "minute": 29, "second": 29}
